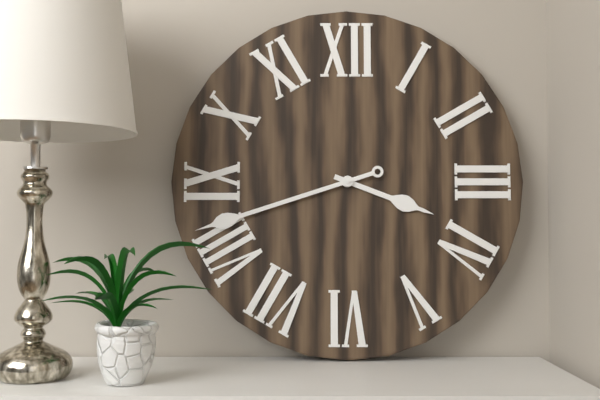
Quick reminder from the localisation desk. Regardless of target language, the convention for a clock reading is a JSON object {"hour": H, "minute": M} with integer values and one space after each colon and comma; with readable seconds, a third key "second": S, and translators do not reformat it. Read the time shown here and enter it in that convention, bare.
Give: {"hour": 3, "minute": 42}
